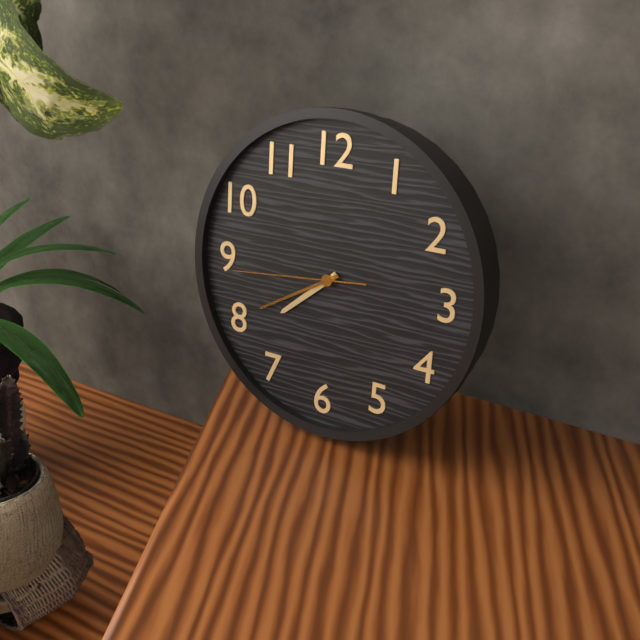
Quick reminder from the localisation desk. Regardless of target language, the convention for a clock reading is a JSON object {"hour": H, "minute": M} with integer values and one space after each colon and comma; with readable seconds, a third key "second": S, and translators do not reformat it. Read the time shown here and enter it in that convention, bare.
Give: {"hour": 7, "minute": 40, "second": 44}
